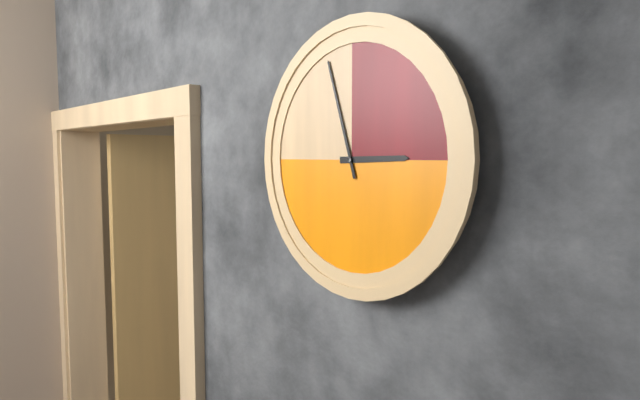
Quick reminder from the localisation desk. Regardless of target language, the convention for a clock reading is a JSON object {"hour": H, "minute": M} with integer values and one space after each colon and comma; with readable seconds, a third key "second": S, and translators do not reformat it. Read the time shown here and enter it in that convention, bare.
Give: {"hour": 2, "minute": 57}
